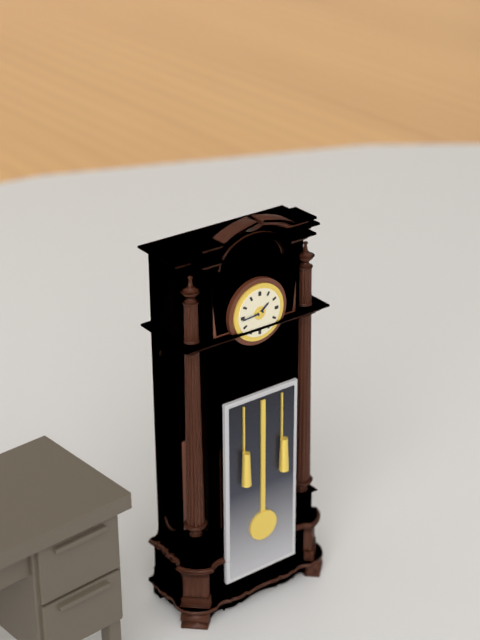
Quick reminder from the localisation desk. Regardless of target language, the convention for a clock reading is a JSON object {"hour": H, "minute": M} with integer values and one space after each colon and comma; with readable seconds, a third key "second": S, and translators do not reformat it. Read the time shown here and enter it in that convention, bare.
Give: {"hour": 1, "minute": 44}
